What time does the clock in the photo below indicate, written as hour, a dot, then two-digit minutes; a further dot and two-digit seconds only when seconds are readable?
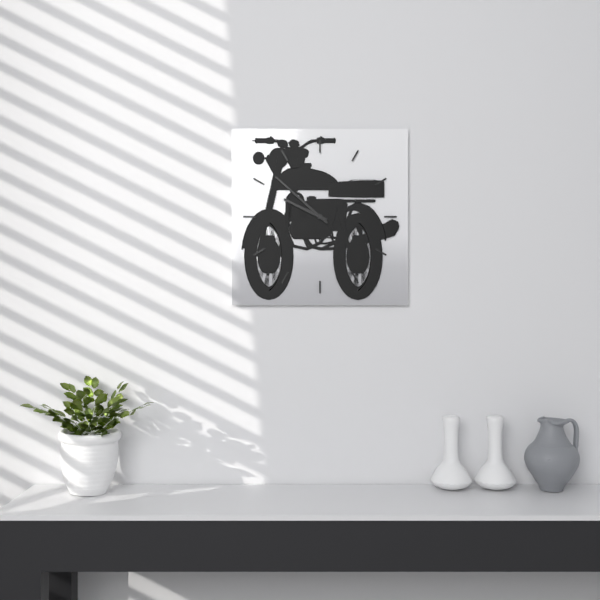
9.52
